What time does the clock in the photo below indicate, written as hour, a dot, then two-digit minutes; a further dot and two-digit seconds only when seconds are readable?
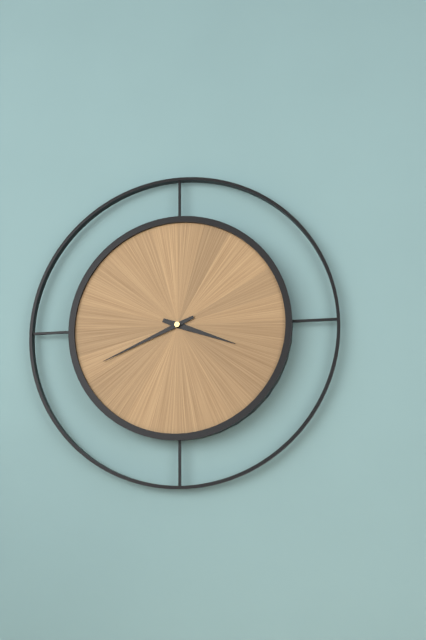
3.41
